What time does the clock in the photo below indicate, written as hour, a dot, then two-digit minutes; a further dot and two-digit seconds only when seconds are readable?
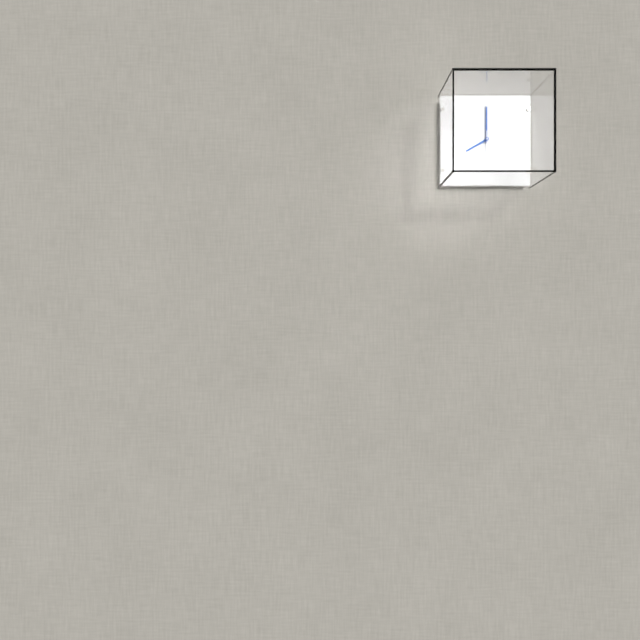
8.00
